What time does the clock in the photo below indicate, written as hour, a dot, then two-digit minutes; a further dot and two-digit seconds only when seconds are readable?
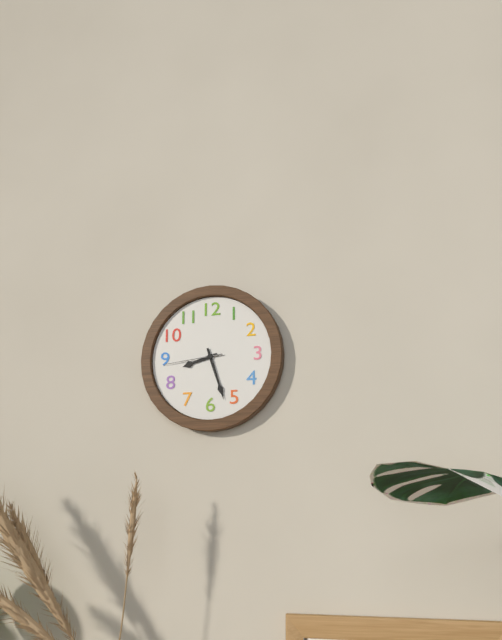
8.27.44
